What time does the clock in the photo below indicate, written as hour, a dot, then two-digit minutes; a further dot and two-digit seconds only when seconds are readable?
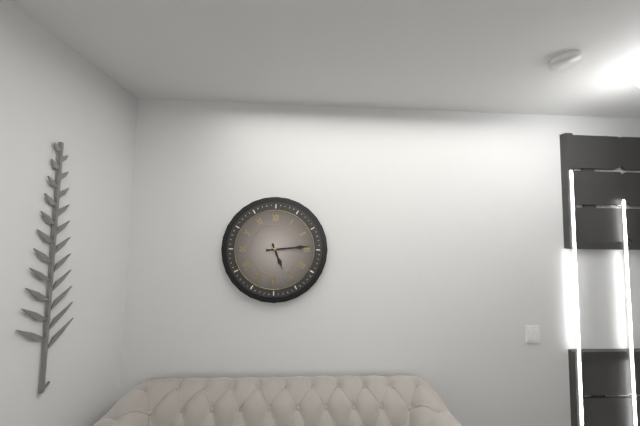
5.14
